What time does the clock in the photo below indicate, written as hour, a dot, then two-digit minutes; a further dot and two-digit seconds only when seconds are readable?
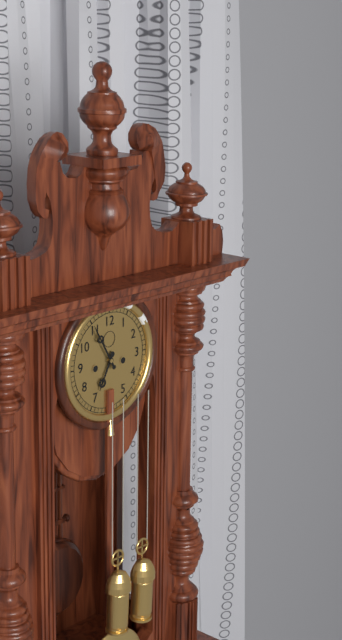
6.55
